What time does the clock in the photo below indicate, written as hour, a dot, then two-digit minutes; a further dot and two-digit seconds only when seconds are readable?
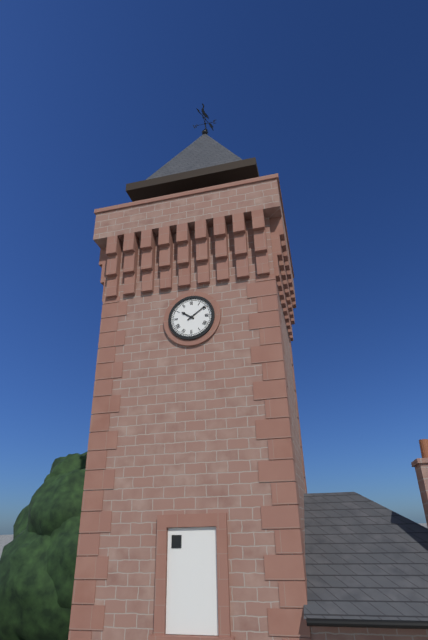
10.09
